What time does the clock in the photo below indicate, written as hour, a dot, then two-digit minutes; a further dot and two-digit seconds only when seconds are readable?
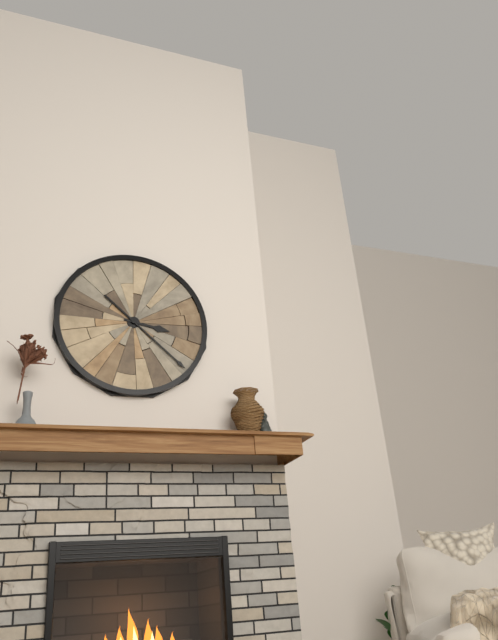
3.22
